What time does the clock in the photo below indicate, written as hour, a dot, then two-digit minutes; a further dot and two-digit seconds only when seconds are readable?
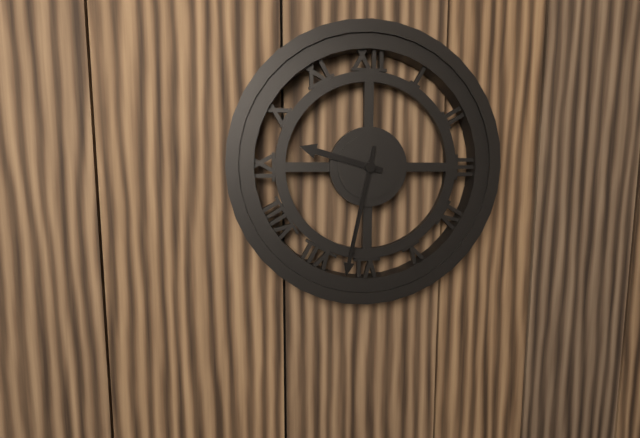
9.32
